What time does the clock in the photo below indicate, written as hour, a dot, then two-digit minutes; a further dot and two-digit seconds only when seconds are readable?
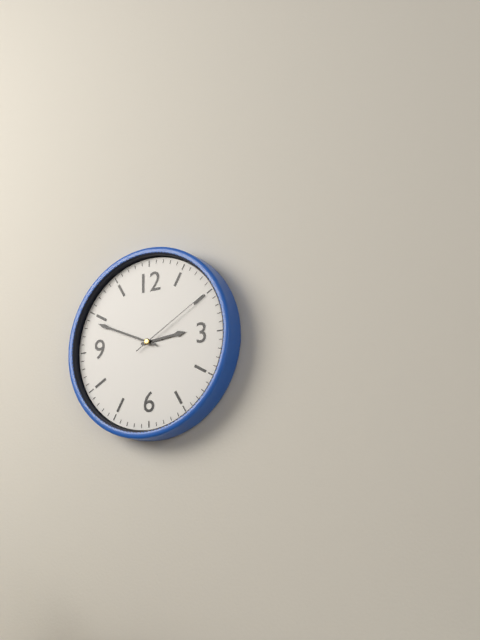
2.49.10
